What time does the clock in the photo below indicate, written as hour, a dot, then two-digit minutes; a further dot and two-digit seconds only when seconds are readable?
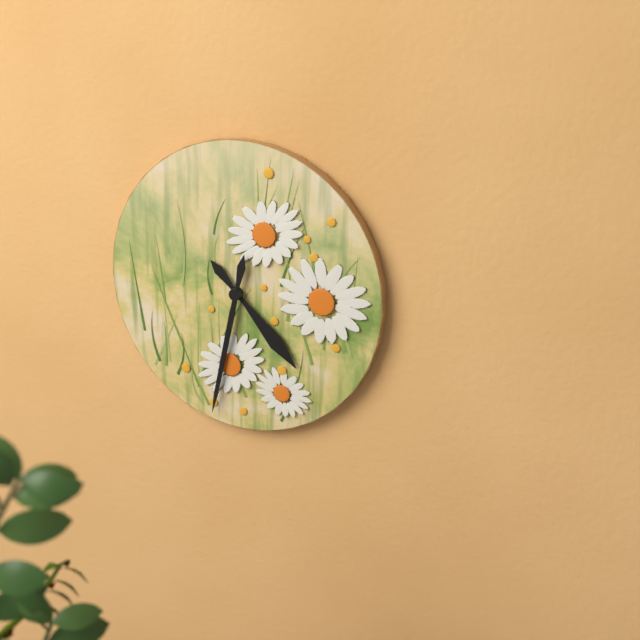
4.32
